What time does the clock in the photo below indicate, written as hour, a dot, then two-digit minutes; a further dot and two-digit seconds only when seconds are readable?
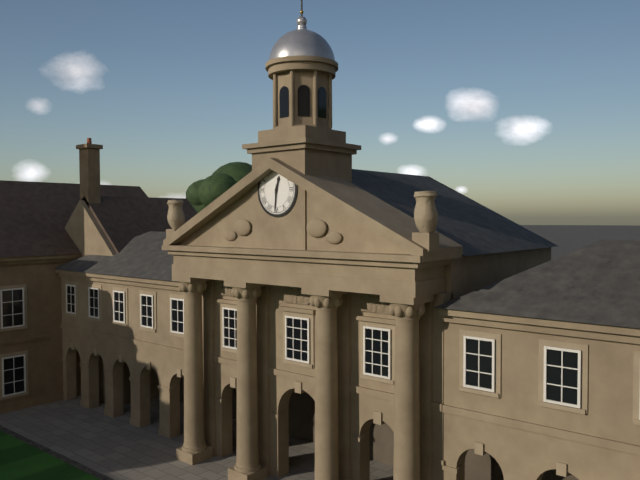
12.31
